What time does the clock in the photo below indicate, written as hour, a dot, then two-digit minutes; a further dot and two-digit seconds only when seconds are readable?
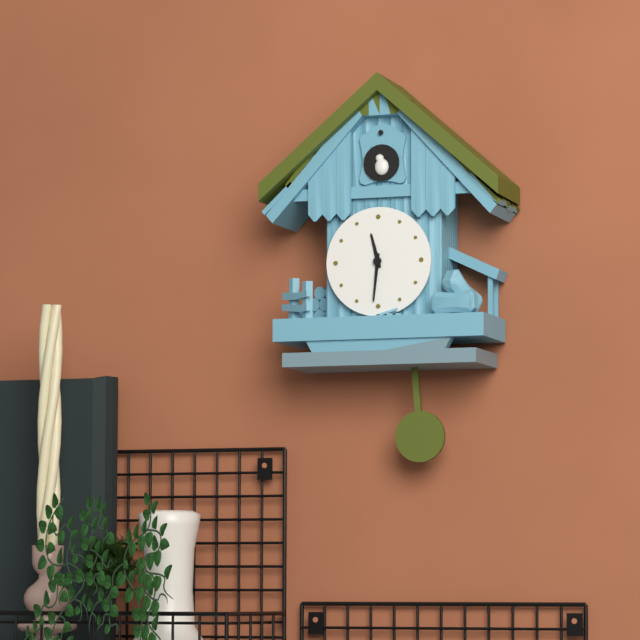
11.31
